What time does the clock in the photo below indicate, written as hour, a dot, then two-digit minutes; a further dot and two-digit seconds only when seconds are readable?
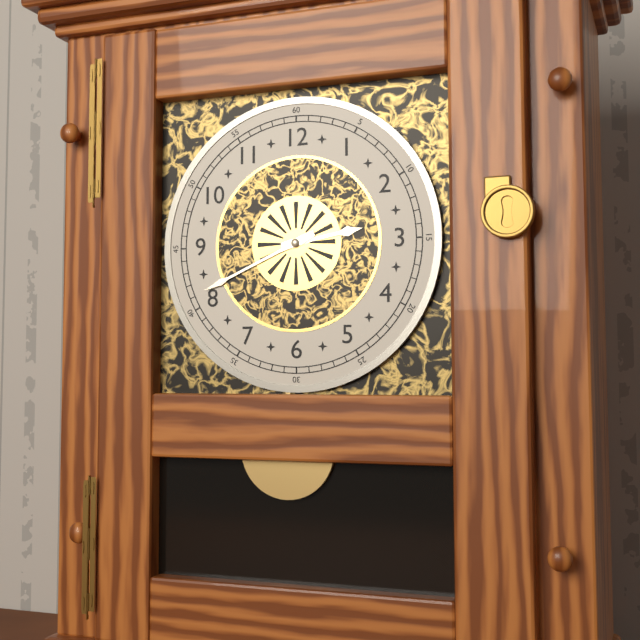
2.41
